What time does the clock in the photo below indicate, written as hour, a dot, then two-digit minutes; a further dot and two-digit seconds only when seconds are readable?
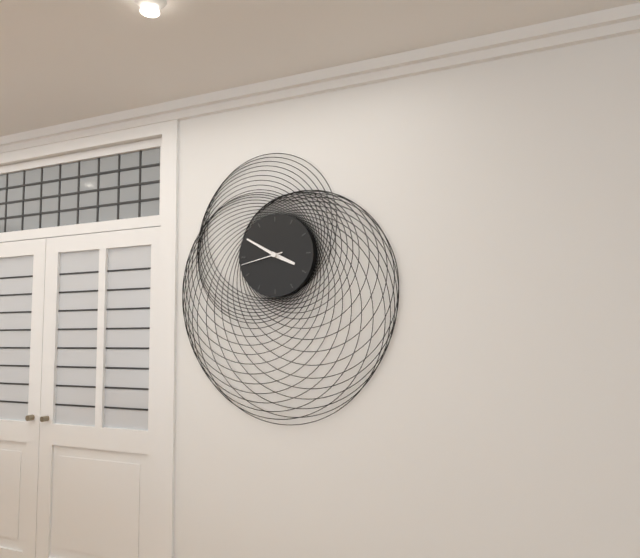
3.50
